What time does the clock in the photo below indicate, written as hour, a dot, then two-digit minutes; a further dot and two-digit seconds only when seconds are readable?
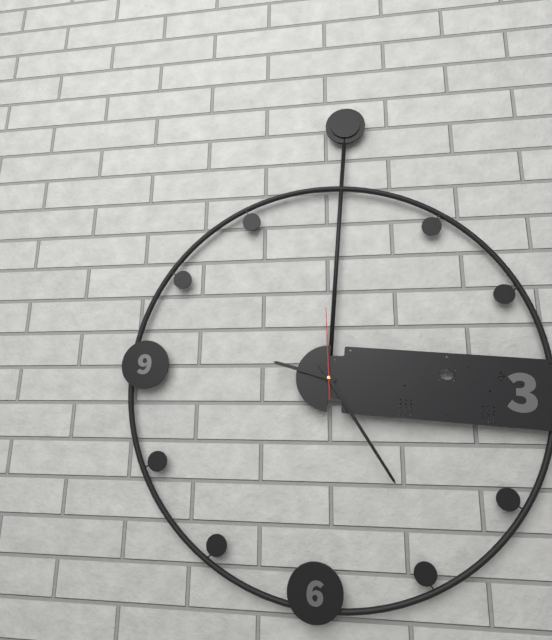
9.24.59
